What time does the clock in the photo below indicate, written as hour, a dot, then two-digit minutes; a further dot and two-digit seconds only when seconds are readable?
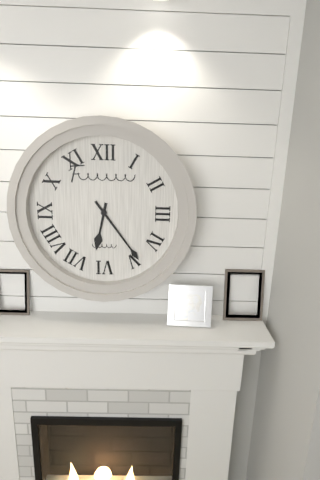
6.24
